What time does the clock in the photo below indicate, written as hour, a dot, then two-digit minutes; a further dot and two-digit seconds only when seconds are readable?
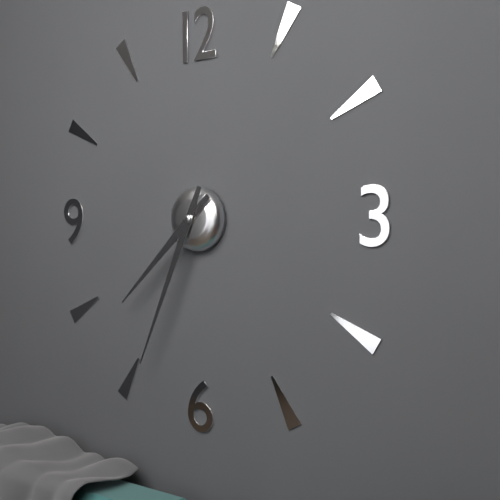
7.34
